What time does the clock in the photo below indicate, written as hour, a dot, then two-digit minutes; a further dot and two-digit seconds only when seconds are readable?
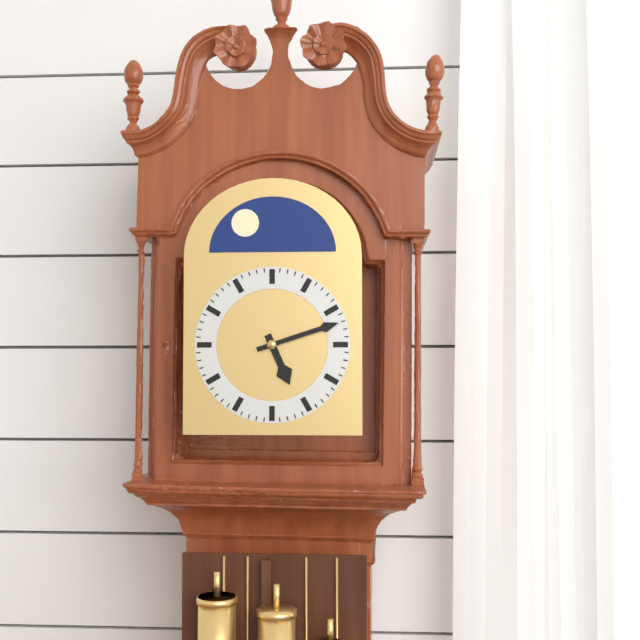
5.12
